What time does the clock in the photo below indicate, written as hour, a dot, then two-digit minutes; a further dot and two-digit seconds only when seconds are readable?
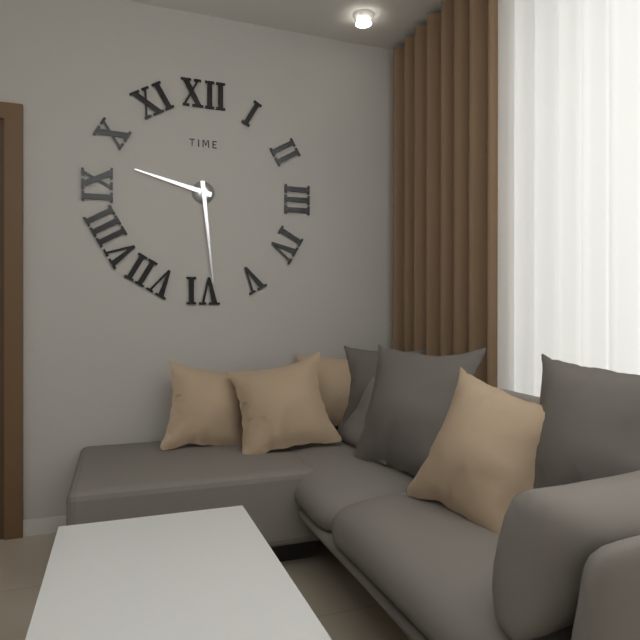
9.29
